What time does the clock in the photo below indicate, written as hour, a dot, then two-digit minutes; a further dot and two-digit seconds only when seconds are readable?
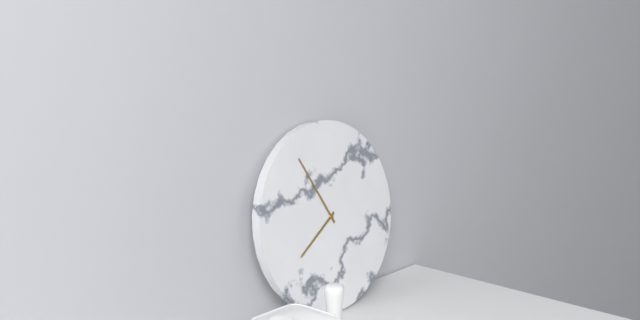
7.55
